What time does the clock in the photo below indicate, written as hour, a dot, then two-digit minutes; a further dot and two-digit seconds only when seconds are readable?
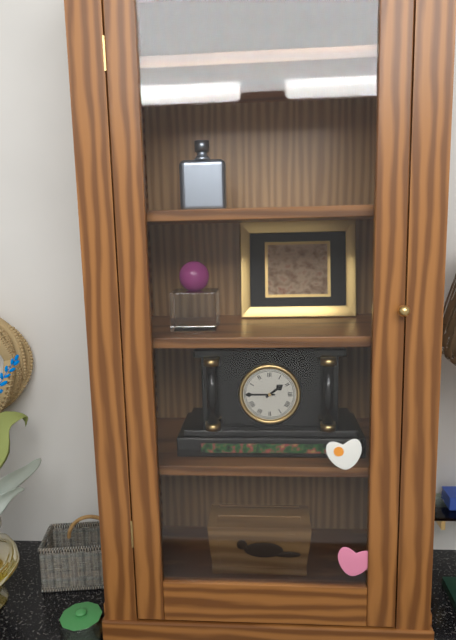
1.45
